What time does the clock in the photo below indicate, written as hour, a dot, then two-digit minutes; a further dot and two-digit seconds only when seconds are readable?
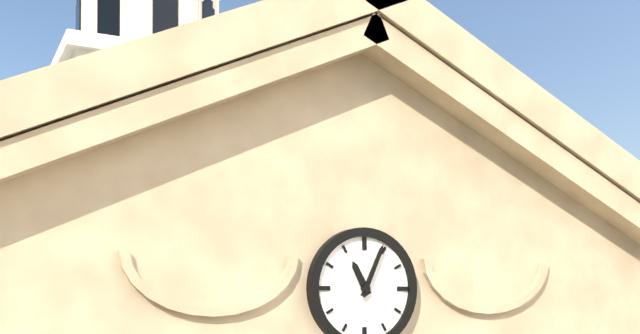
11.04
